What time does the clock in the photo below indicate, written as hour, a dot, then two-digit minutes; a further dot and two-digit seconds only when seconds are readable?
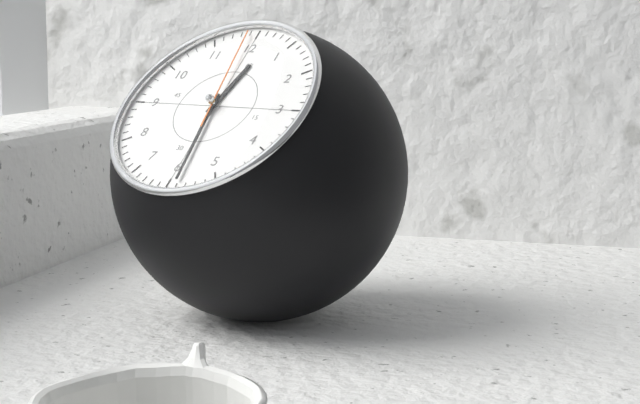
12.29.59
